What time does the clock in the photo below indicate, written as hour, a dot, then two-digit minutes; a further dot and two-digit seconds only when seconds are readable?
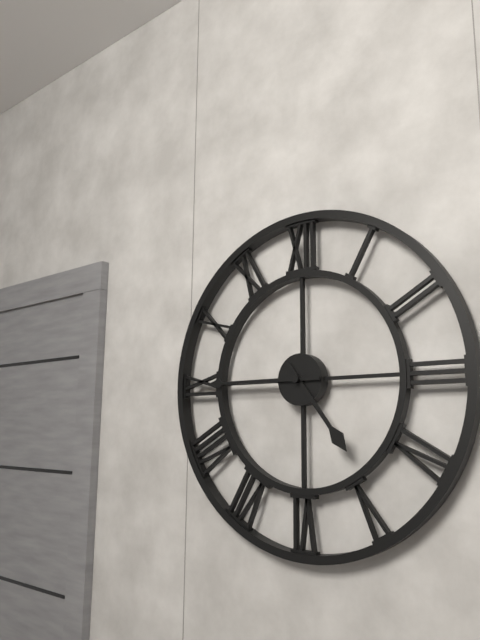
4.45
